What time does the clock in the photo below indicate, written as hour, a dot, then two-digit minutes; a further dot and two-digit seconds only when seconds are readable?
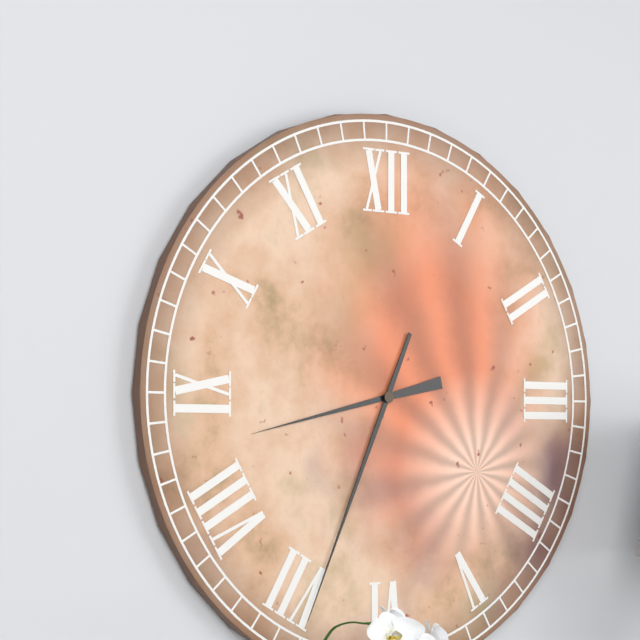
8.34
